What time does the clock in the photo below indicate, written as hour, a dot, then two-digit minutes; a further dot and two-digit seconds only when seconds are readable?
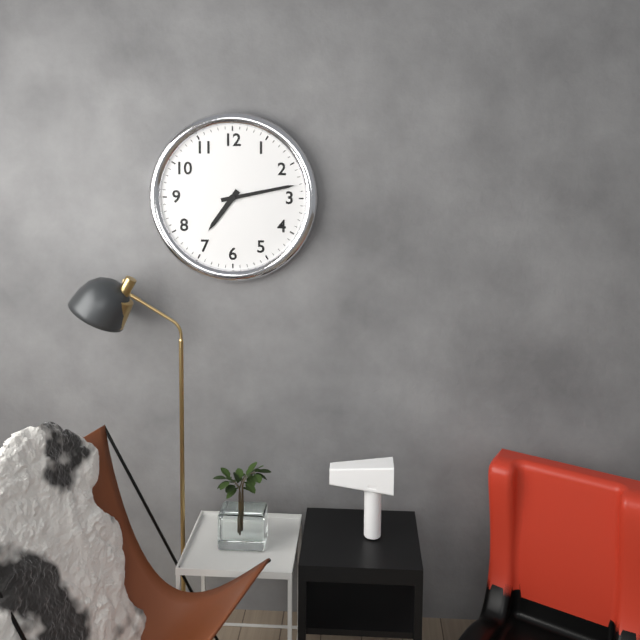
7.13
